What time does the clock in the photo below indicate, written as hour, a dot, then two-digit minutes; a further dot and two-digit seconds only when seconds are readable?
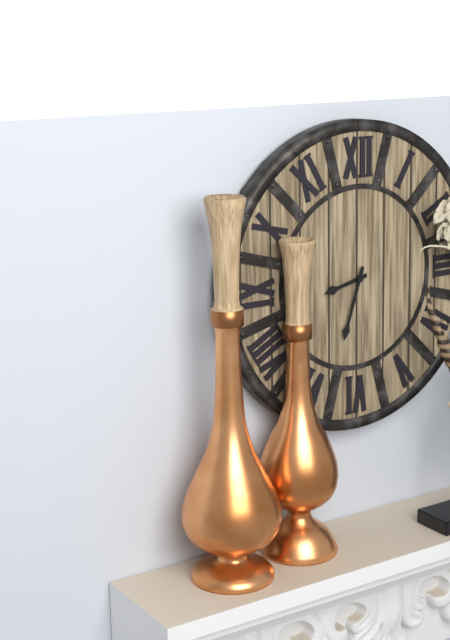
8.33
